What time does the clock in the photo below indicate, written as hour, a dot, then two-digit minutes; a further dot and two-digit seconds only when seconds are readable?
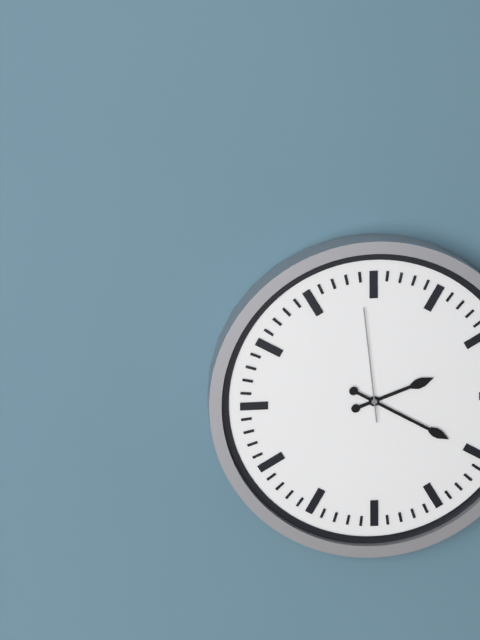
2.20.59
